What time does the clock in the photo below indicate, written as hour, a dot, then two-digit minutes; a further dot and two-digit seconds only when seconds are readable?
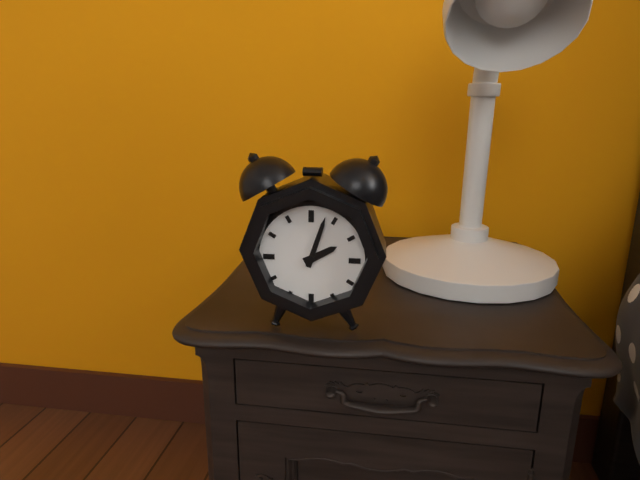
2.03
